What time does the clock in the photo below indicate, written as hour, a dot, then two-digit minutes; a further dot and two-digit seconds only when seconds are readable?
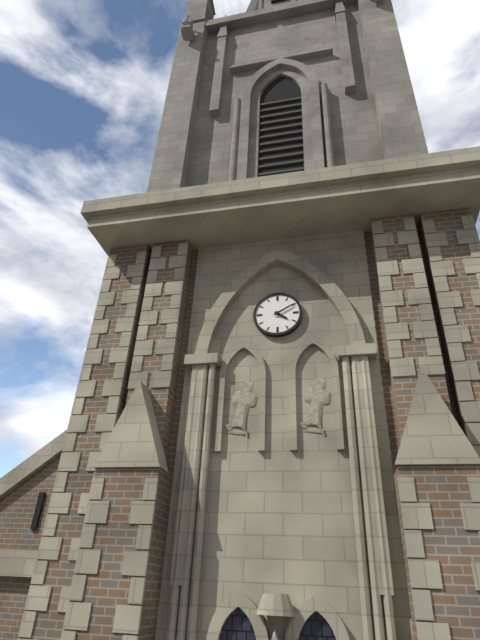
4.10
